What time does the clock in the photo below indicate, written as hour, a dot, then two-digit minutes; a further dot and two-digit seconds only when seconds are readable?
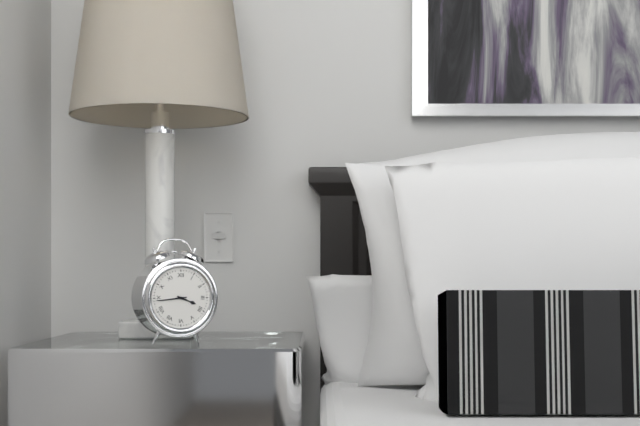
3.44
